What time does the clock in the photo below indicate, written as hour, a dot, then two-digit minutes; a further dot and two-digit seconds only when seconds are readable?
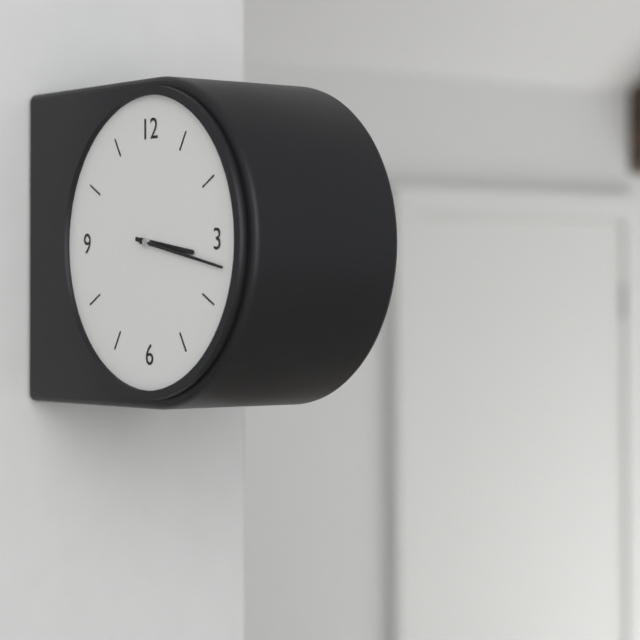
3.17
